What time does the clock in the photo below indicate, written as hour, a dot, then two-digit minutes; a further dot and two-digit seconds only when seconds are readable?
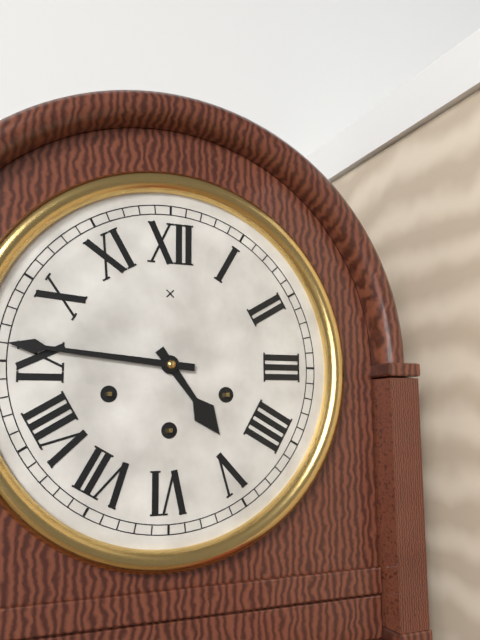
4.46
